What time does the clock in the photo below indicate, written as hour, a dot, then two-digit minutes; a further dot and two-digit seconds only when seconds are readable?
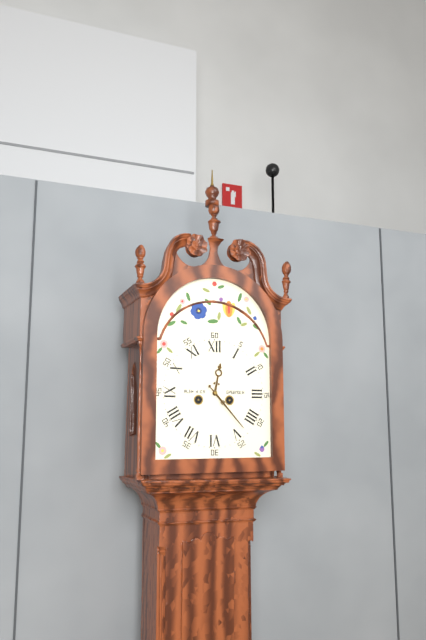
12.23
